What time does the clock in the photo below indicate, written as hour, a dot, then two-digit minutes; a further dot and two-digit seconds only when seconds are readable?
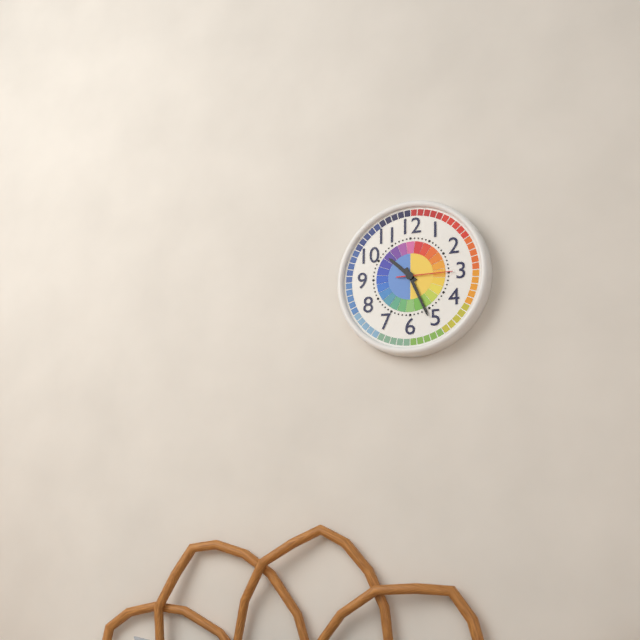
10.26.15
